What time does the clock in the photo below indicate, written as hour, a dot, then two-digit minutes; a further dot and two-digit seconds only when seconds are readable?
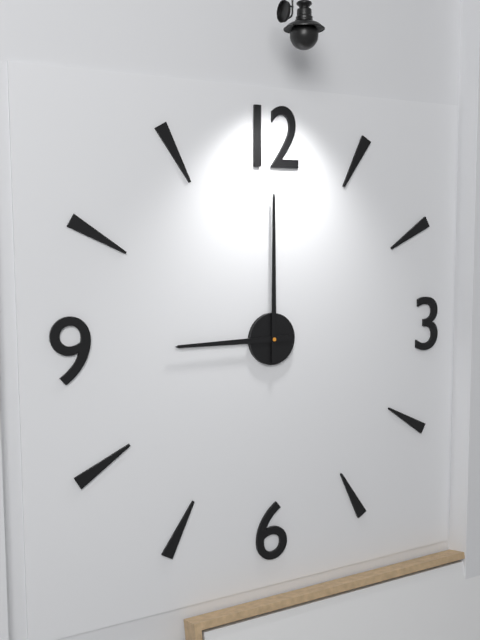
9.00
